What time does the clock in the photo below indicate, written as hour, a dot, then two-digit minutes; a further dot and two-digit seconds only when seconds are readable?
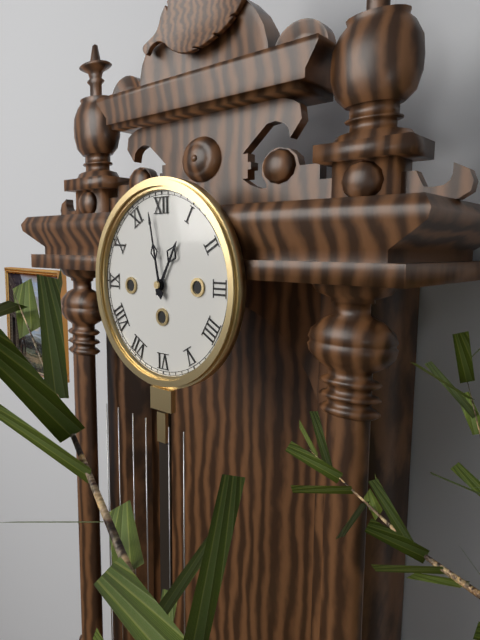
12.58
